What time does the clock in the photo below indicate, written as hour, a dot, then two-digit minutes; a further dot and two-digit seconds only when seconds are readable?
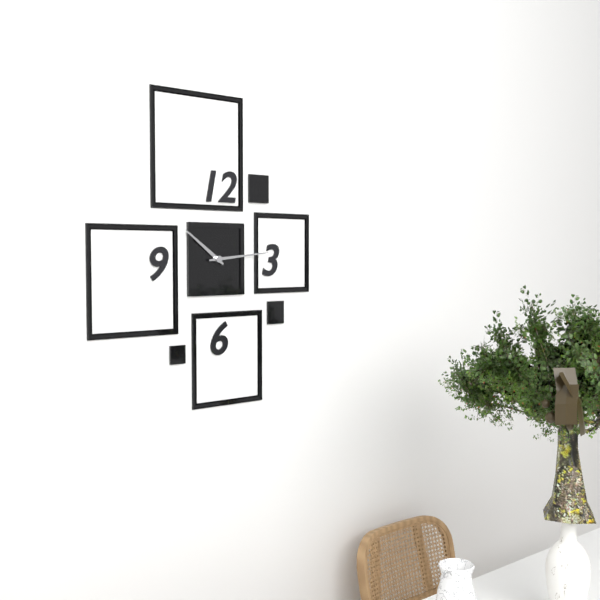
10.14
